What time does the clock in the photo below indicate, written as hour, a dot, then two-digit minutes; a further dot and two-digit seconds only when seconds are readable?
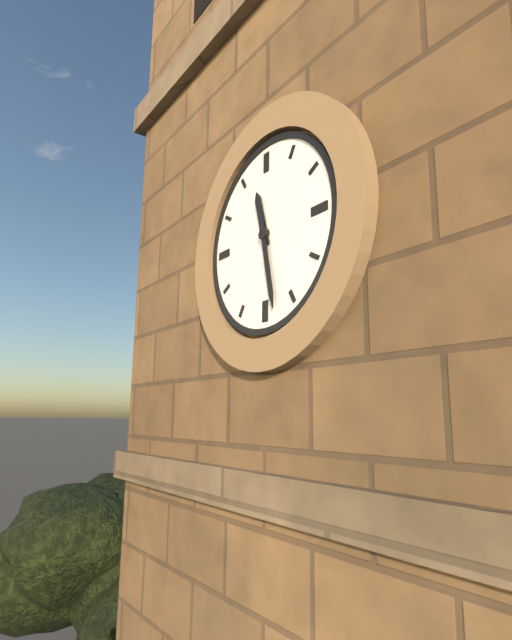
11.28
